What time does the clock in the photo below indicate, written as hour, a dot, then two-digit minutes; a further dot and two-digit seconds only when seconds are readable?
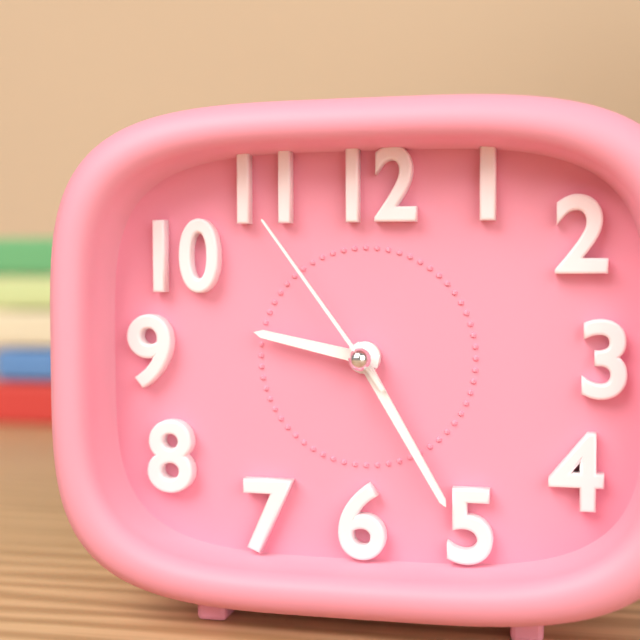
9.25.54
